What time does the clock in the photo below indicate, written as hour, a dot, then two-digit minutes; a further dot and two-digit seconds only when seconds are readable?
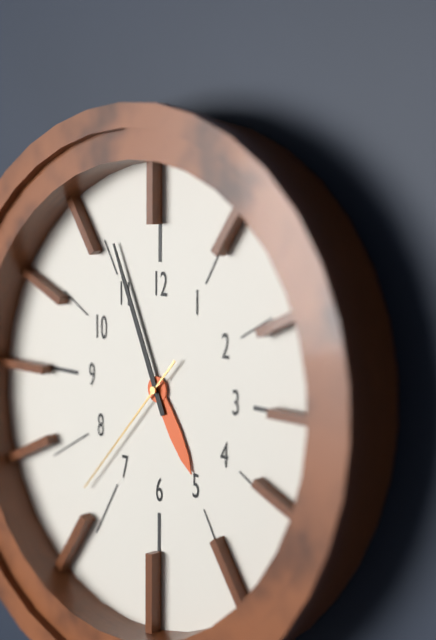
4.56.37
